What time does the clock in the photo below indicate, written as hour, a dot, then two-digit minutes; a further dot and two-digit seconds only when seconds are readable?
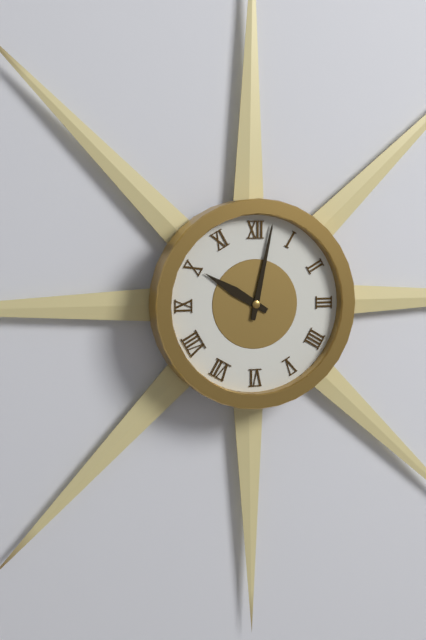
10.02
